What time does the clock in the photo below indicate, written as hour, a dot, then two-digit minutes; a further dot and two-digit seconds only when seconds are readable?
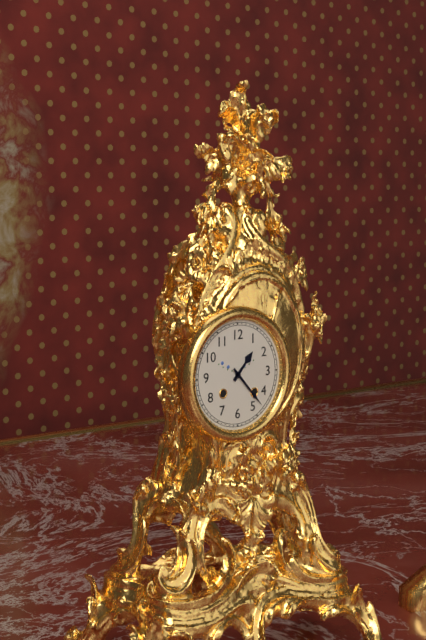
1.23
